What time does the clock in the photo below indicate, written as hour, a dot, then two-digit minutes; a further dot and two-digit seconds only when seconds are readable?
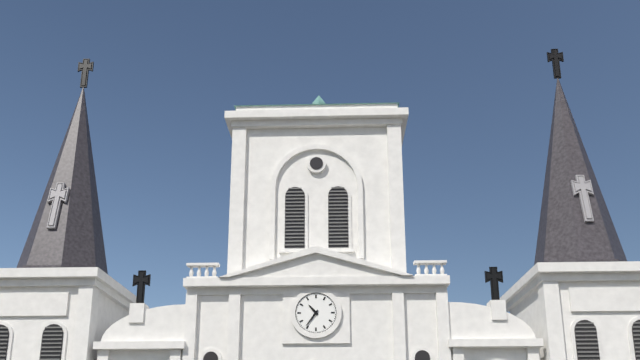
10.36
